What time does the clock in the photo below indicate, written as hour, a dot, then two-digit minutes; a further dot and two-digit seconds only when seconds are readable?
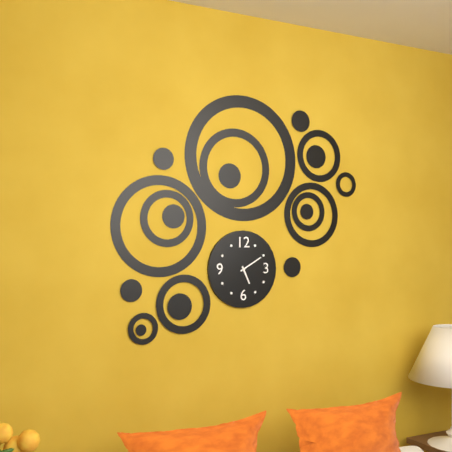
5.10
